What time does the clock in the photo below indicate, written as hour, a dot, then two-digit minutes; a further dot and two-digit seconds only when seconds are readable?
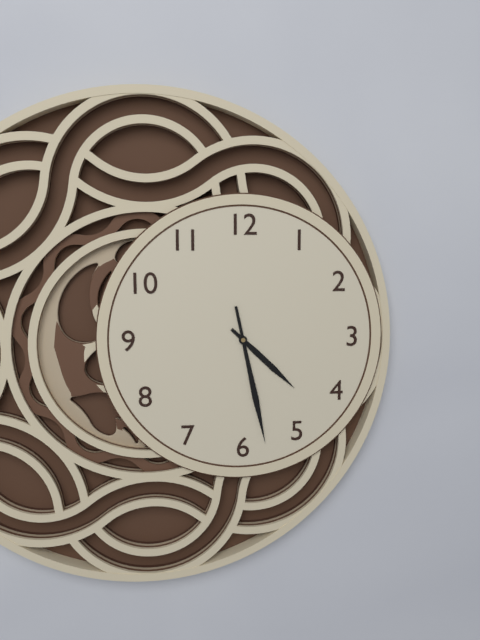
4.28
